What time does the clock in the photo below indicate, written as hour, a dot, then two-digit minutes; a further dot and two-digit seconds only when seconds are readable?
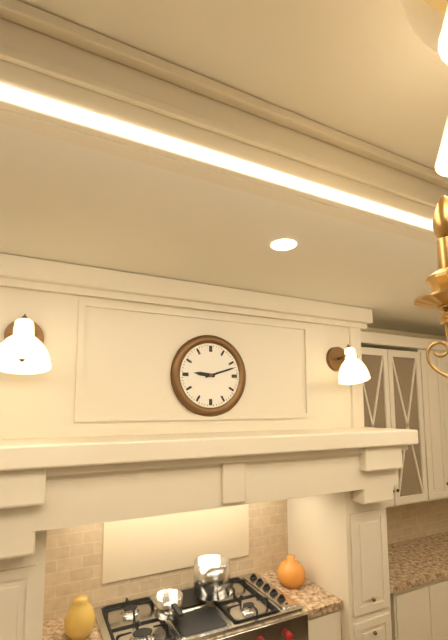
9.12
